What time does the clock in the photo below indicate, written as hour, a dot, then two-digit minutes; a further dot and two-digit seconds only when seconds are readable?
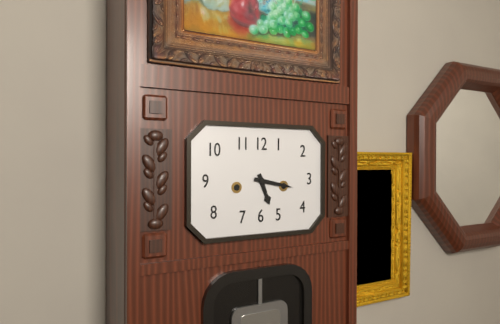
5.17
